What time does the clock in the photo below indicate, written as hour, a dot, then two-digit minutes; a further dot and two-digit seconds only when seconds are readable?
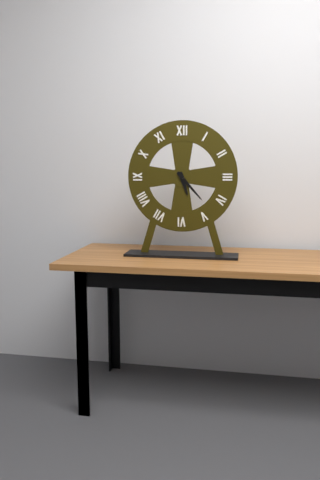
5.23
